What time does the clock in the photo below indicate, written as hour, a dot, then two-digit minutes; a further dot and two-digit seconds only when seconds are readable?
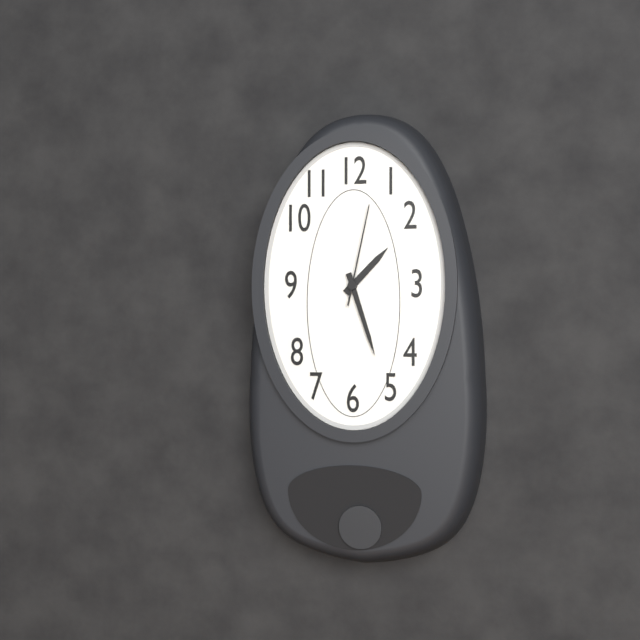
1.27.02
